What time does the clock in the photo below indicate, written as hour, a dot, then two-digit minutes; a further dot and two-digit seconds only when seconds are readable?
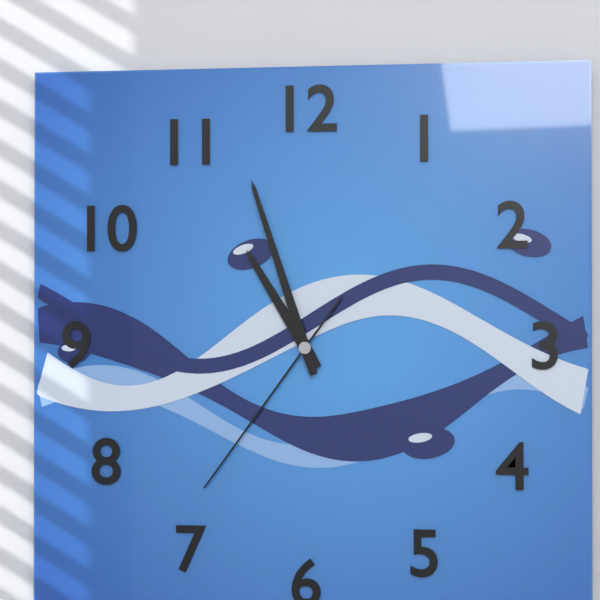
10.57.36
